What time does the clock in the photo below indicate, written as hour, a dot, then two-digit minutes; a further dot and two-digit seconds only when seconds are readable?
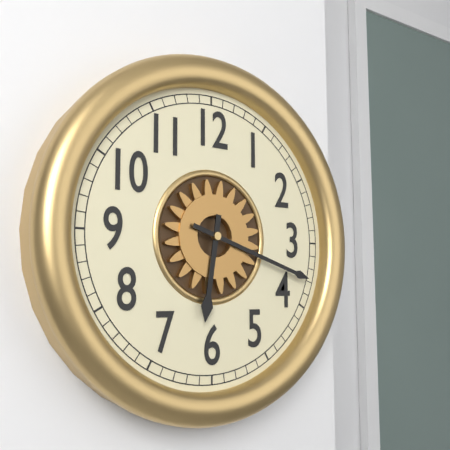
6.18
